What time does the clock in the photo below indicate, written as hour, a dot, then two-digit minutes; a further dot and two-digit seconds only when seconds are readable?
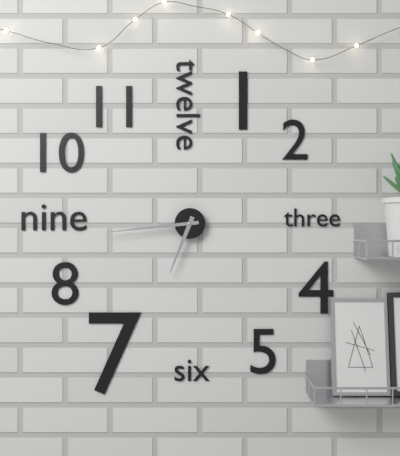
6.44
